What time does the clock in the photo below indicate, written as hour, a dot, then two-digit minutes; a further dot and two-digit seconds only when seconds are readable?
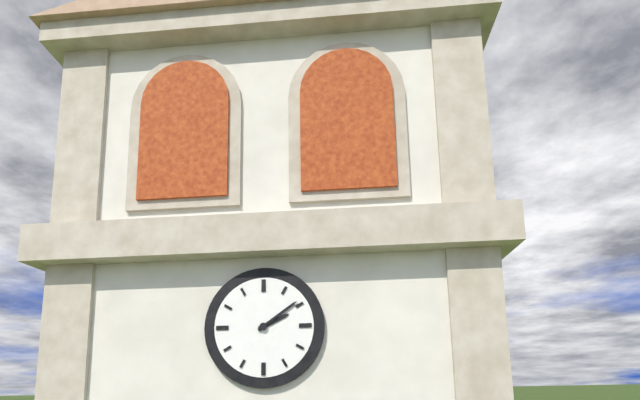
2.09
